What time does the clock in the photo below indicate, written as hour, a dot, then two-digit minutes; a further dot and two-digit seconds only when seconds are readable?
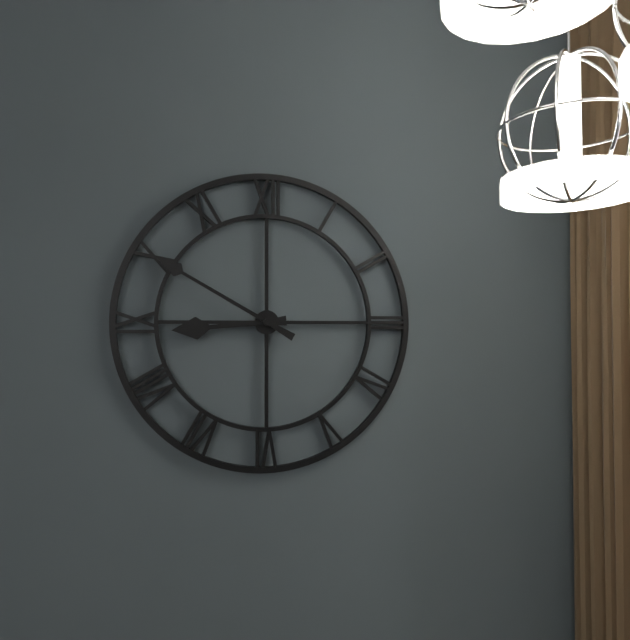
8.50
